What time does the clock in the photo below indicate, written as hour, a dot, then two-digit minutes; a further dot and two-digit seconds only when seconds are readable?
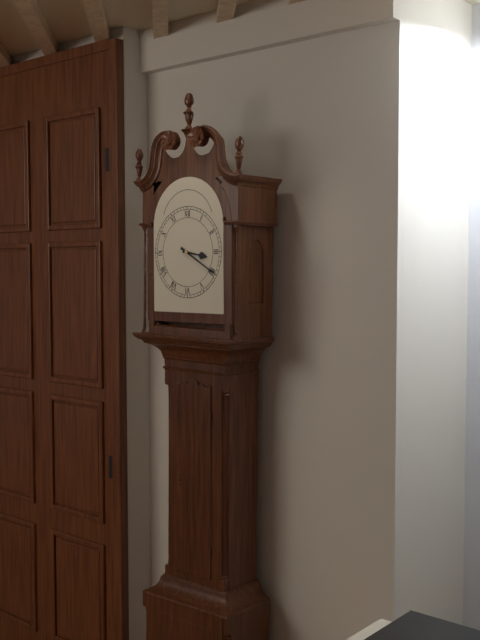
3.20
